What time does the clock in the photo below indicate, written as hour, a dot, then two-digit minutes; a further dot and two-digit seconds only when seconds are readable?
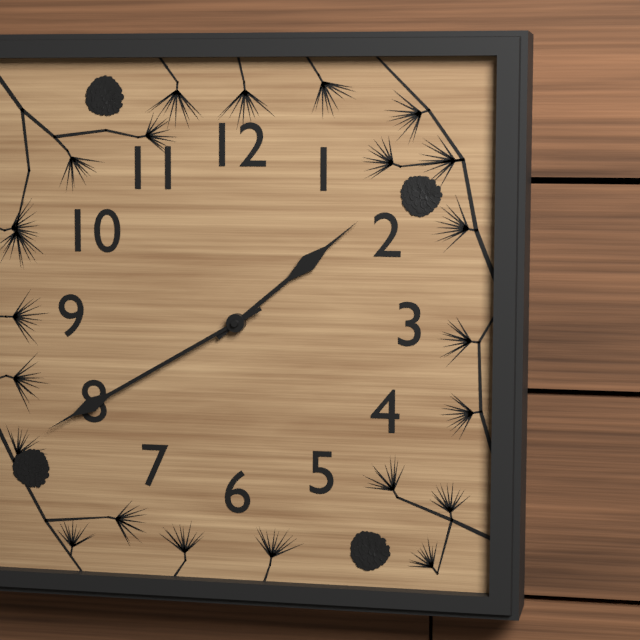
1.40
